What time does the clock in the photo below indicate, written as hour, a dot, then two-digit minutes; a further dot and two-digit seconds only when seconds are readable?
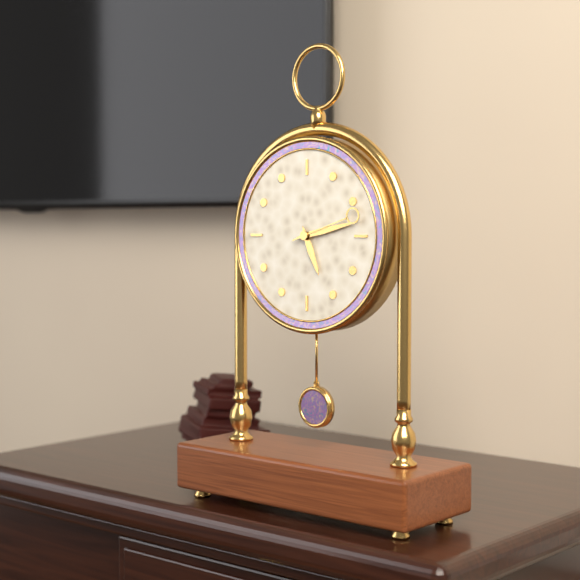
5.13.12
